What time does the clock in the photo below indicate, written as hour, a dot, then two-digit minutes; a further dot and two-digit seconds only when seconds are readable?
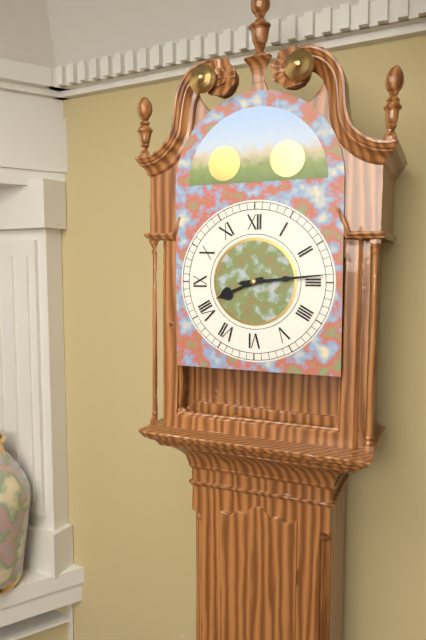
8.14
